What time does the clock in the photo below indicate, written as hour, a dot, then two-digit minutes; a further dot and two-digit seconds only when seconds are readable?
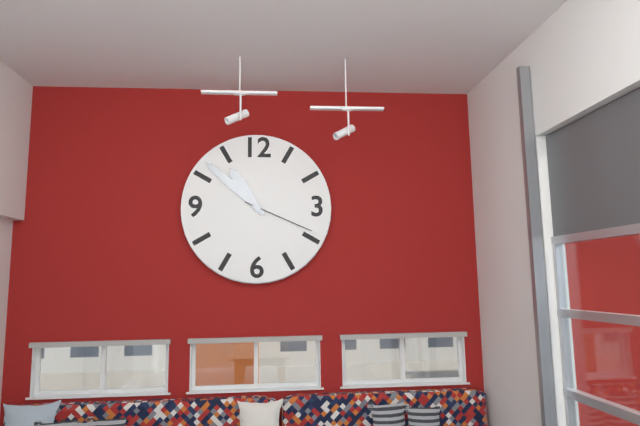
10.52.19
